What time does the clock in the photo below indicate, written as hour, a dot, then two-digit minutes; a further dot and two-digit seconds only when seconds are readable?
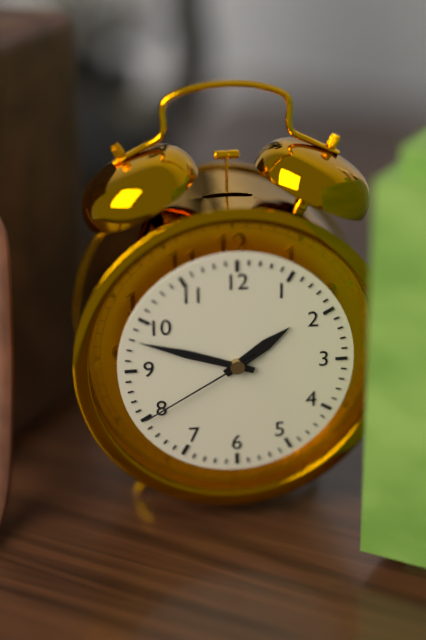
1.48.40
